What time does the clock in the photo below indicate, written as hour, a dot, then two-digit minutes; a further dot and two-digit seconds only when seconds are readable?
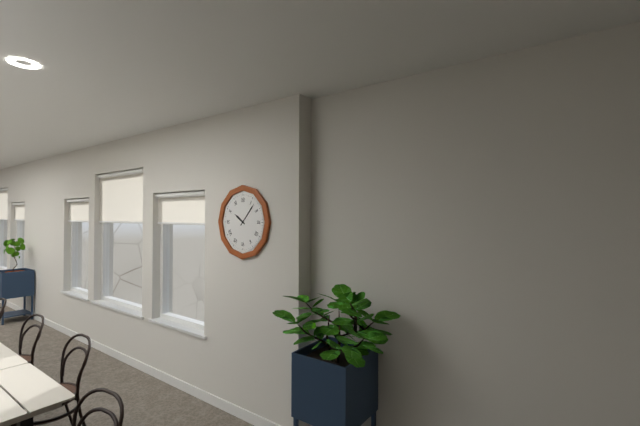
10.07
